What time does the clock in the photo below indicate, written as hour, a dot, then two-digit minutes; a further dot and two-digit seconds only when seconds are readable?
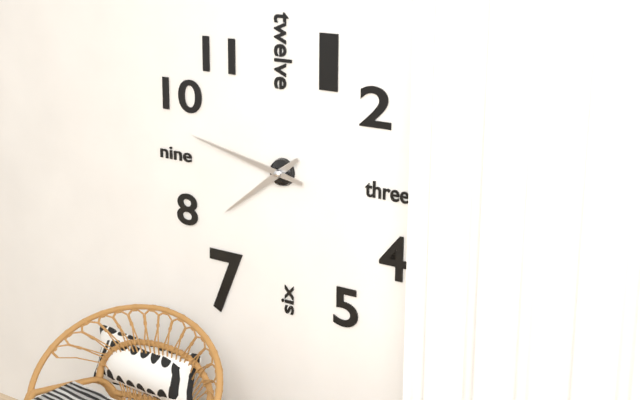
7.47
